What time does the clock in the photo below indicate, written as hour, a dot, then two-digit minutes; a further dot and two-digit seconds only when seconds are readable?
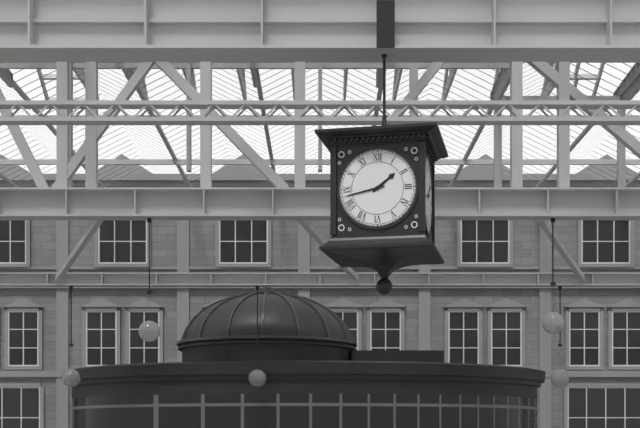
1.43
